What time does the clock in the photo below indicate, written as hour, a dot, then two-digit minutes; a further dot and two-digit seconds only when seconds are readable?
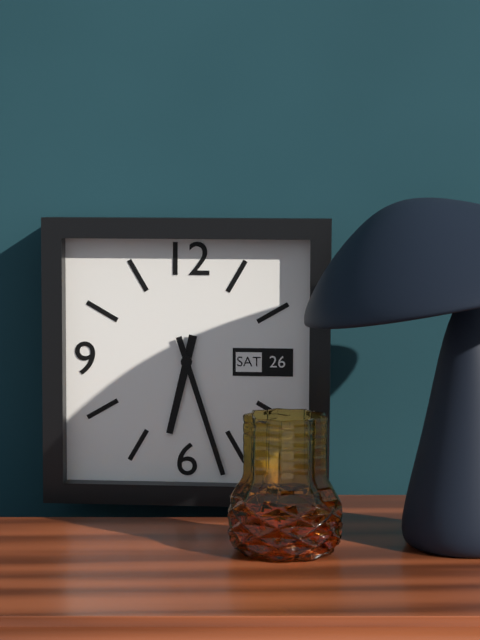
6.27
